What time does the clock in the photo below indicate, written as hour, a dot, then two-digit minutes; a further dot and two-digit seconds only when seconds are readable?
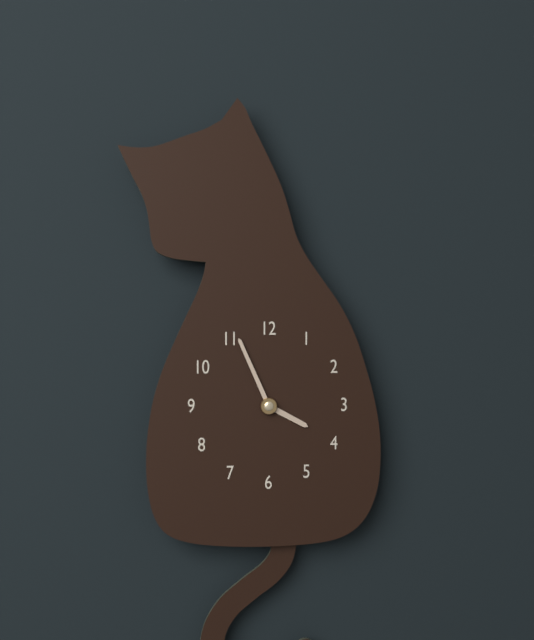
3.56
